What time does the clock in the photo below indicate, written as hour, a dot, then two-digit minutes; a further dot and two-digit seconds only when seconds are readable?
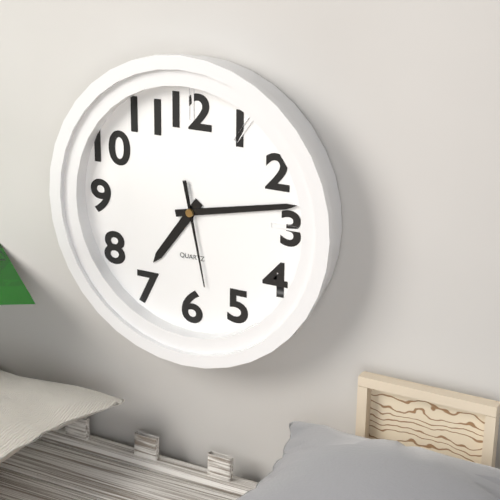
7.13.28
